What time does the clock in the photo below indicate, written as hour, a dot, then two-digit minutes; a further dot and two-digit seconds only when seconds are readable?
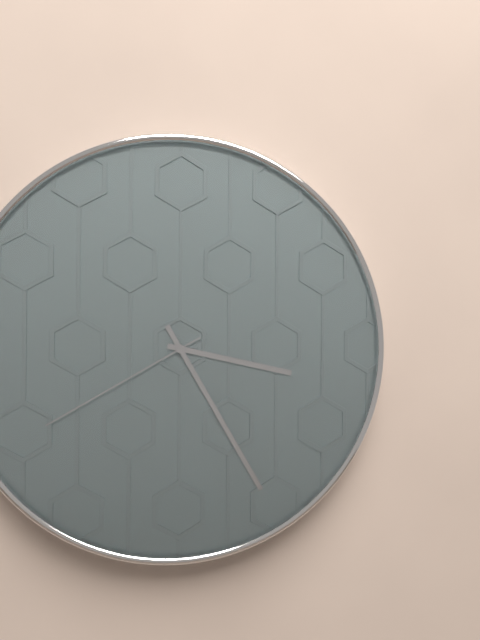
3.25.40
